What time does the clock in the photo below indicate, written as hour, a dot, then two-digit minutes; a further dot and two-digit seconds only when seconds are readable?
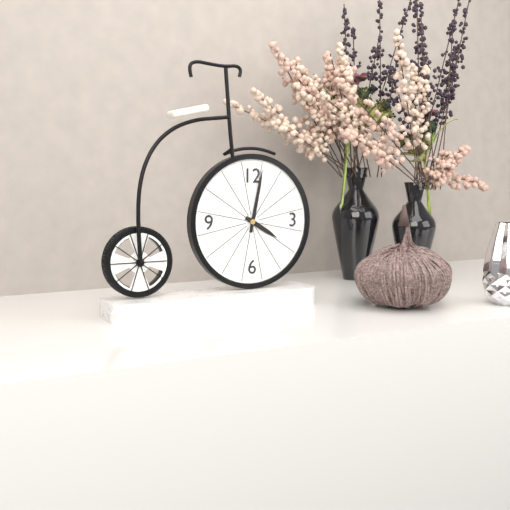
4.02
